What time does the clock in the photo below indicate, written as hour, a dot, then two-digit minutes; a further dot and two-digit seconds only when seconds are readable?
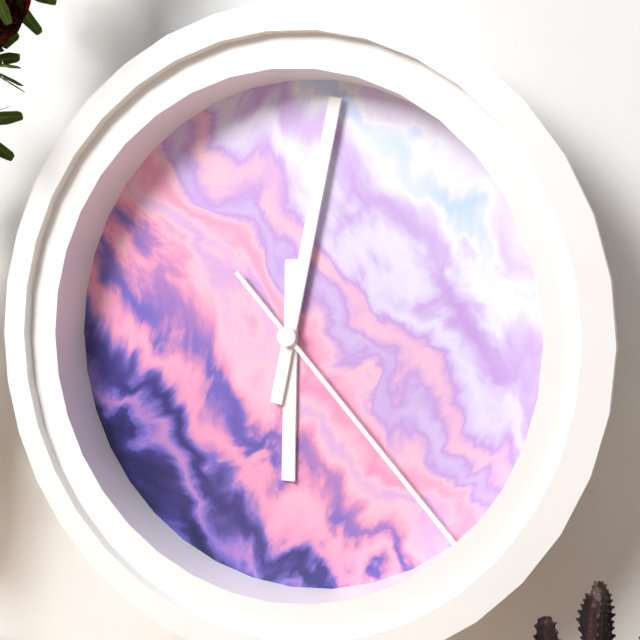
6.02.23
